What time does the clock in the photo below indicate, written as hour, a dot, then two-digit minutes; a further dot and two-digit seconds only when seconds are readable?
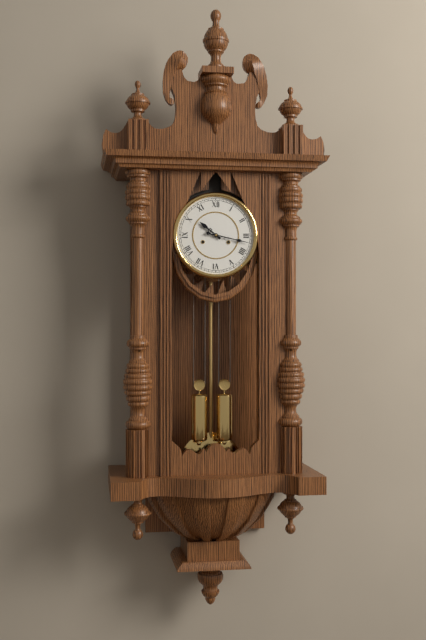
10.17
